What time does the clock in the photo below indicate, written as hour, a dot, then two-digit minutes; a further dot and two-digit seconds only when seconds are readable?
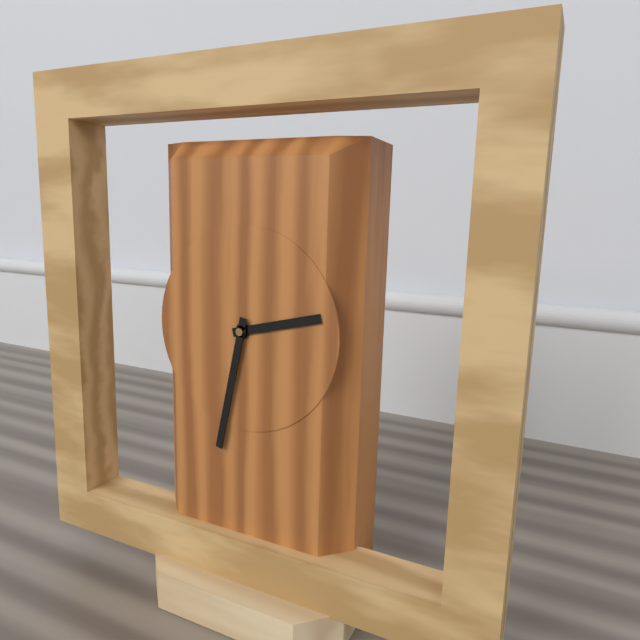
2.32
